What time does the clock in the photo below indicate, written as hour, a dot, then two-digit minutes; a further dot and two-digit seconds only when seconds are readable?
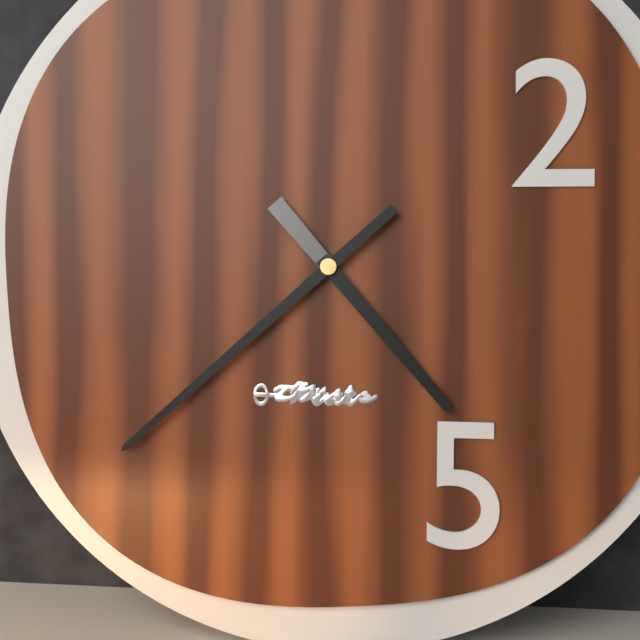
4.38
